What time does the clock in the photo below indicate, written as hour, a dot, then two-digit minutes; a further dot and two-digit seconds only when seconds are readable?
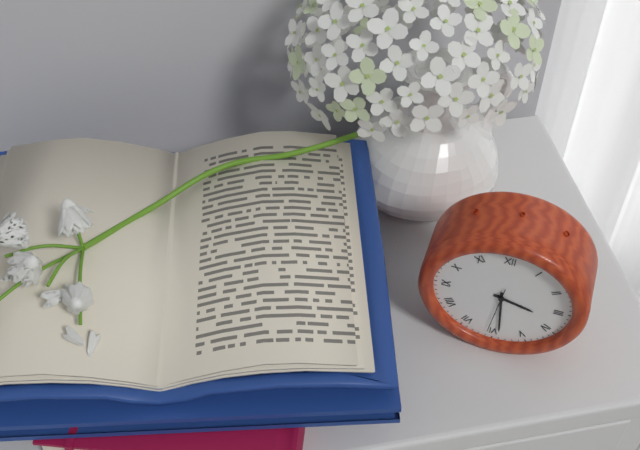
3.29
